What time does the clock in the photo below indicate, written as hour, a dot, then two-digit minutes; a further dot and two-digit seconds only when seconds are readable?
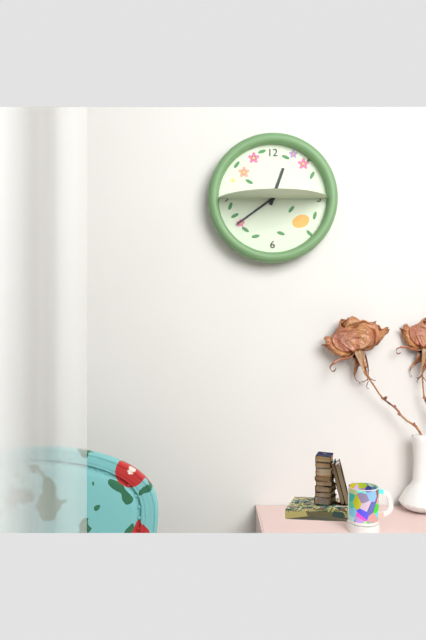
12.39
